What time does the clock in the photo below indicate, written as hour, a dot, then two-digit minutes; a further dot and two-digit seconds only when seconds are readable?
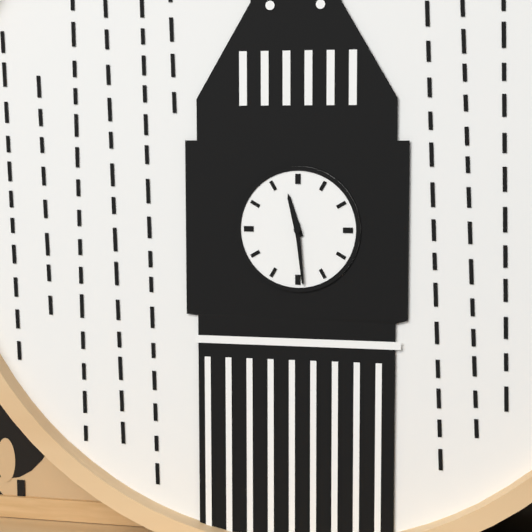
11.29
